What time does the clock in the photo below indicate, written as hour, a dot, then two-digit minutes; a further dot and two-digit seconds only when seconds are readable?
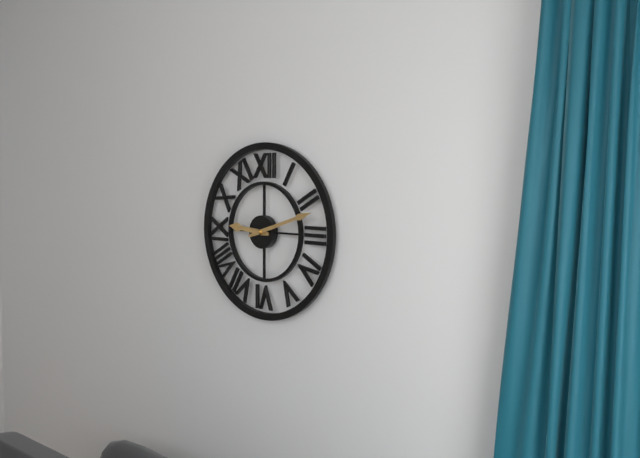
9.12
